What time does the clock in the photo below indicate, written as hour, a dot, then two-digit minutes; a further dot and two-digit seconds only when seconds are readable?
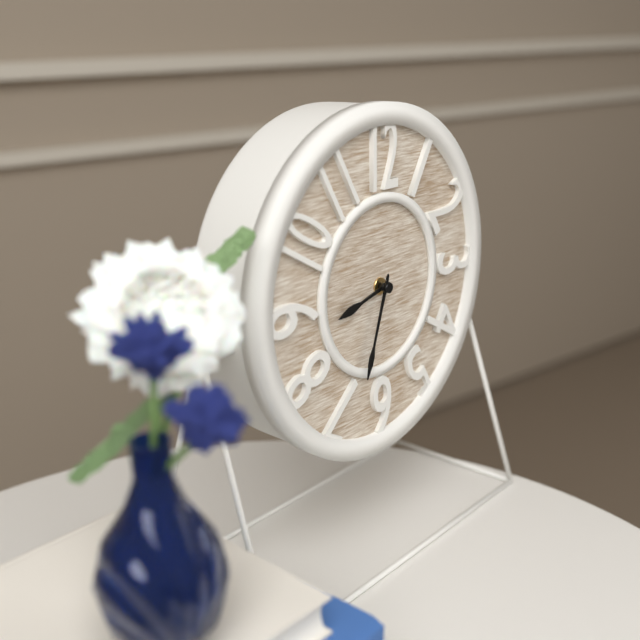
8.33
